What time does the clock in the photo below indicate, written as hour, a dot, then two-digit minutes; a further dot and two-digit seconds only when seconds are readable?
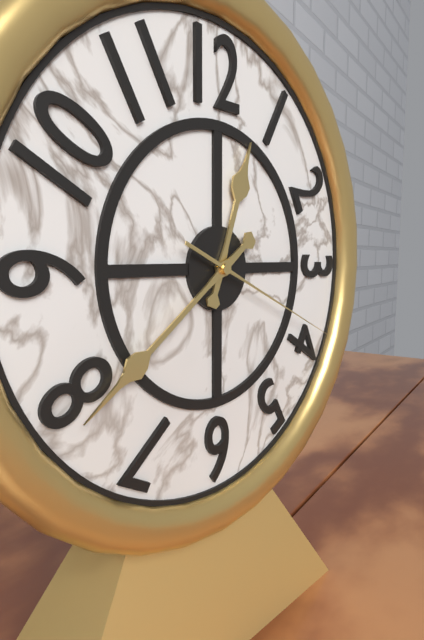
12.39.19
